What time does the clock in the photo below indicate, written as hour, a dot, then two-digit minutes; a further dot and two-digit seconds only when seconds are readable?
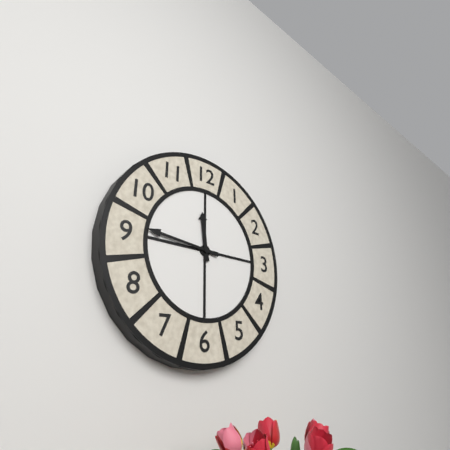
11.46
